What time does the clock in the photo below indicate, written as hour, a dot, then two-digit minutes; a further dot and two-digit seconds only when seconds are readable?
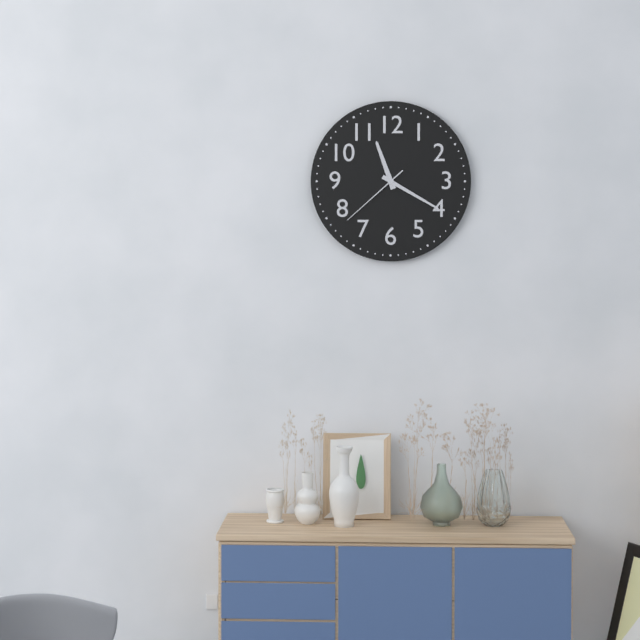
11.20.38
